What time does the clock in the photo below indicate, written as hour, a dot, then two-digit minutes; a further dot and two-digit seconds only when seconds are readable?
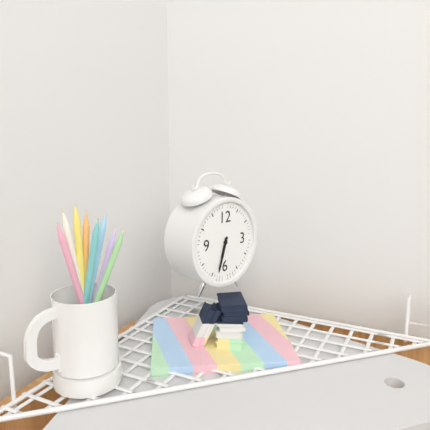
6.33
